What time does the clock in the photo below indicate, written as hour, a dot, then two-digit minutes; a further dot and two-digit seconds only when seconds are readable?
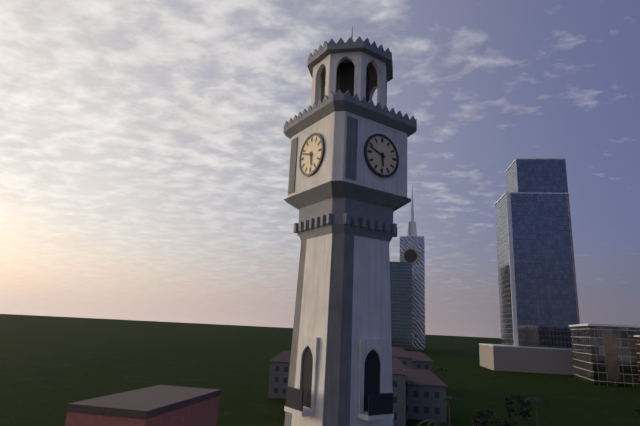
5.48
